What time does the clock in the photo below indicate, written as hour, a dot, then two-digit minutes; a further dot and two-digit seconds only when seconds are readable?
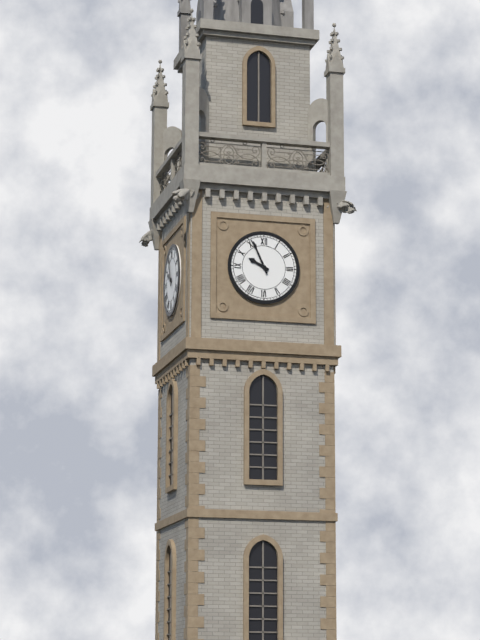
9.56
